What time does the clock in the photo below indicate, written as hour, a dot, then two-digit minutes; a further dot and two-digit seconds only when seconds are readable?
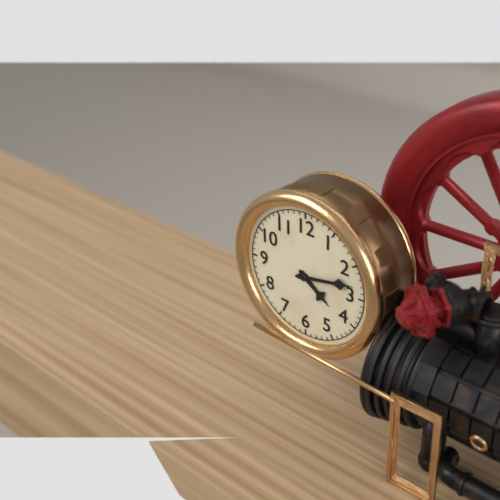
4.13
